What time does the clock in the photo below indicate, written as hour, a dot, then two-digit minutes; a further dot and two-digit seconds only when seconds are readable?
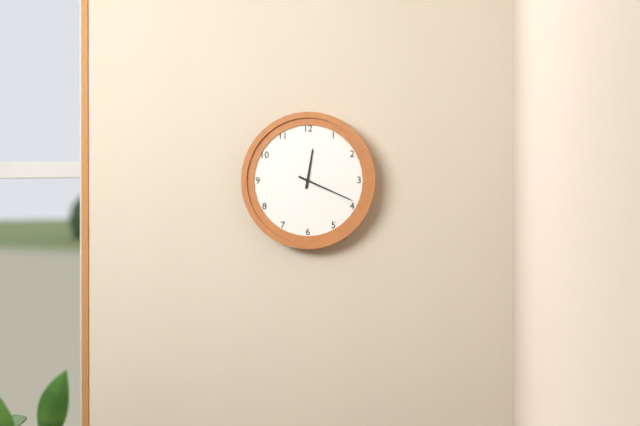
12.19
